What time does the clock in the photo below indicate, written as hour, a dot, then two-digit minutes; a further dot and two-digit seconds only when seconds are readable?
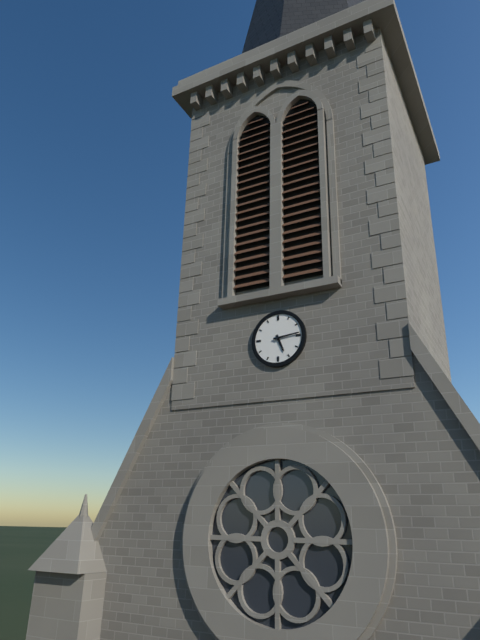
5.14
